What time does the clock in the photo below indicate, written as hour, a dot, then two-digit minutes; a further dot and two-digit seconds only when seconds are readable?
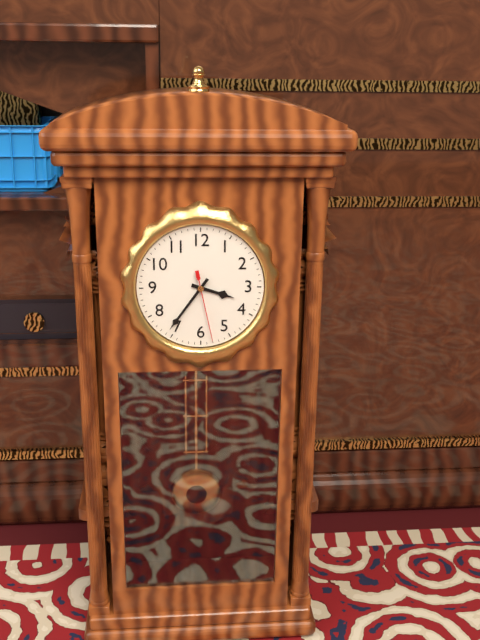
3.36.28
